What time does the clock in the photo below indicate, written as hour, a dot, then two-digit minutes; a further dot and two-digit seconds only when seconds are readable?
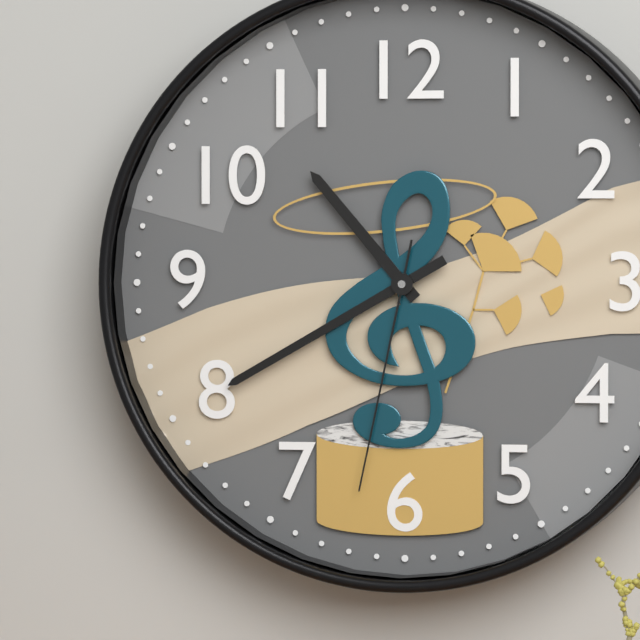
10.40.32
